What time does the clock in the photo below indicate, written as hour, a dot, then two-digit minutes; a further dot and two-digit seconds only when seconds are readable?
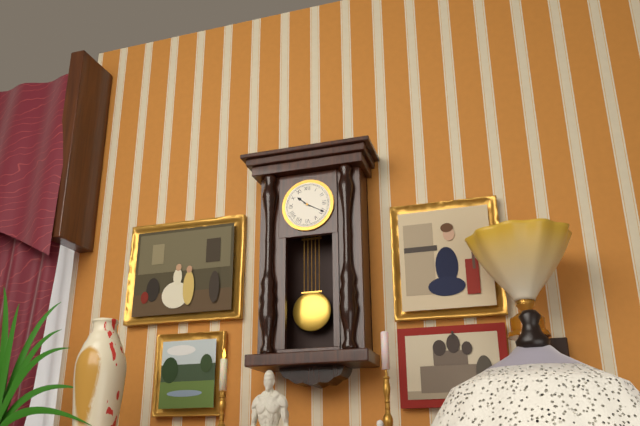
10.20
